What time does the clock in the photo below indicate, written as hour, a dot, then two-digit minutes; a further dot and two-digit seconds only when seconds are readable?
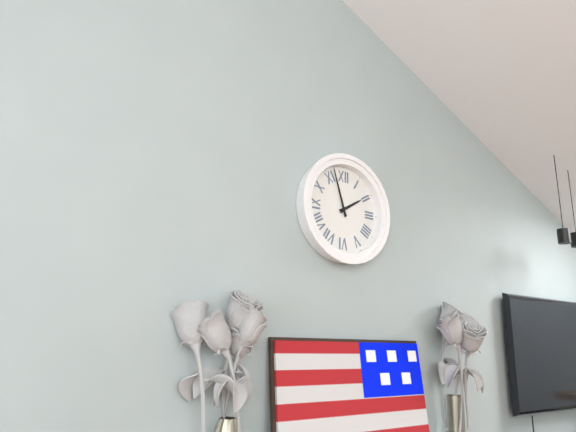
1.57
